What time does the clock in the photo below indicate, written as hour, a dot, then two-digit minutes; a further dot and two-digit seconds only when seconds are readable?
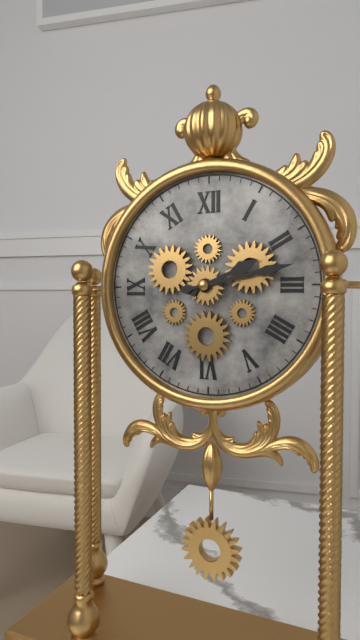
2.13
